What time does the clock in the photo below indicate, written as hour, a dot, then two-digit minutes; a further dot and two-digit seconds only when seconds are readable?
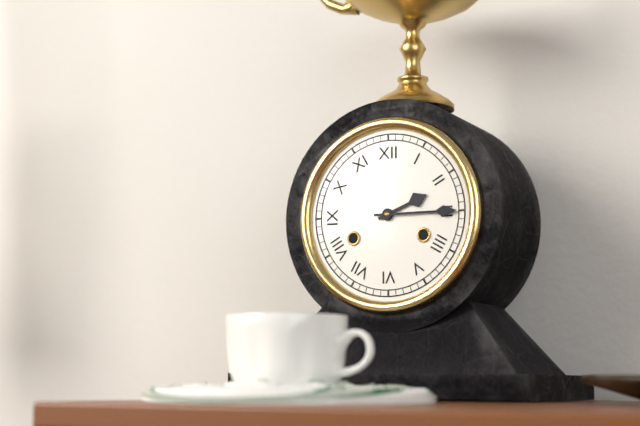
2.15
